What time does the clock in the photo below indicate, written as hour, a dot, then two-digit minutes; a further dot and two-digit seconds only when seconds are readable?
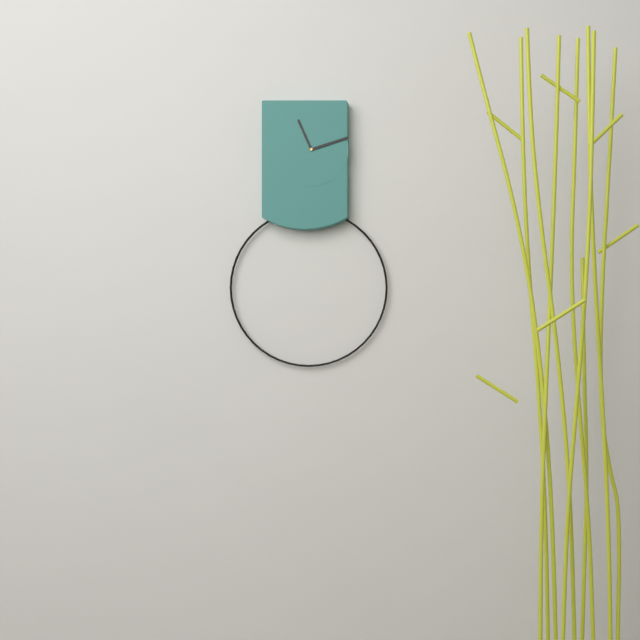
11.12
